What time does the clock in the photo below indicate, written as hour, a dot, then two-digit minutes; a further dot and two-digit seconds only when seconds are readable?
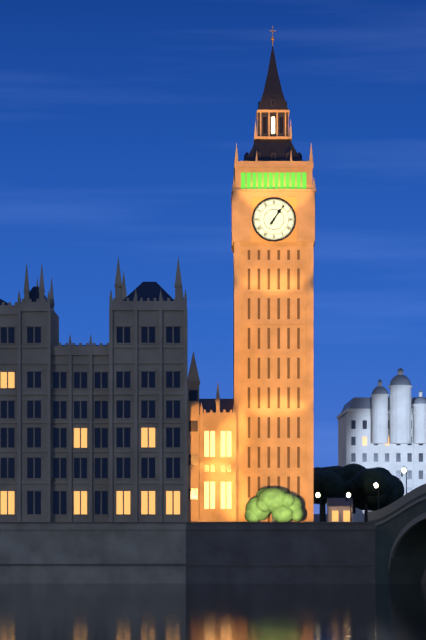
1.06
